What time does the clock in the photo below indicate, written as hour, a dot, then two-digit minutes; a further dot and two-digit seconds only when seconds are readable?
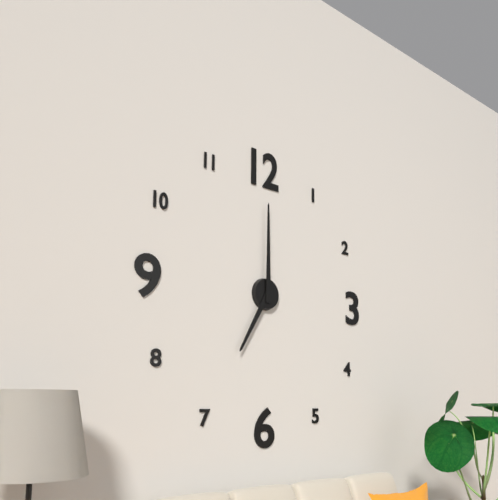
7.00
